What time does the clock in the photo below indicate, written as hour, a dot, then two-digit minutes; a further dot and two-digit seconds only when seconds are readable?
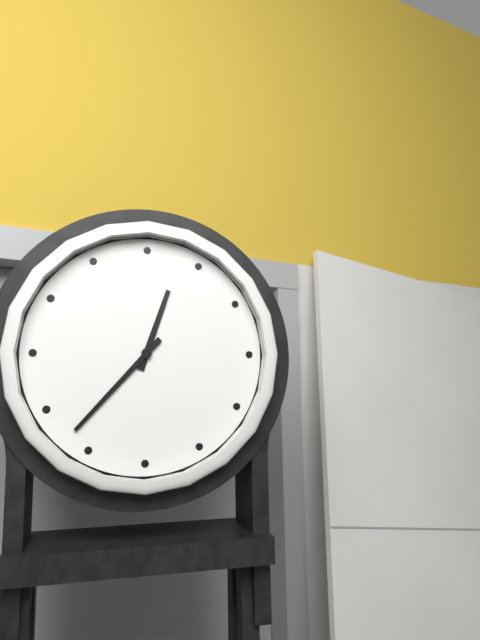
12.37
